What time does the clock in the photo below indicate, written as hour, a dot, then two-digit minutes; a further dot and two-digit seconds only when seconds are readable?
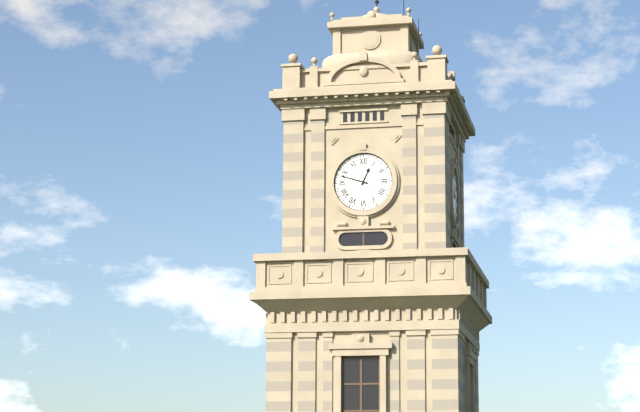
12.48
